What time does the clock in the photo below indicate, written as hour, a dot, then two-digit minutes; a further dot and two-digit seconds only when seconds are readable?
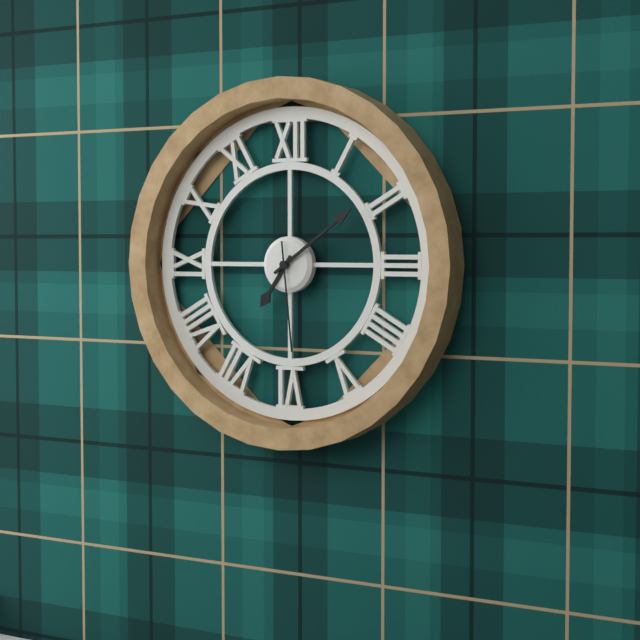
7.09.29
